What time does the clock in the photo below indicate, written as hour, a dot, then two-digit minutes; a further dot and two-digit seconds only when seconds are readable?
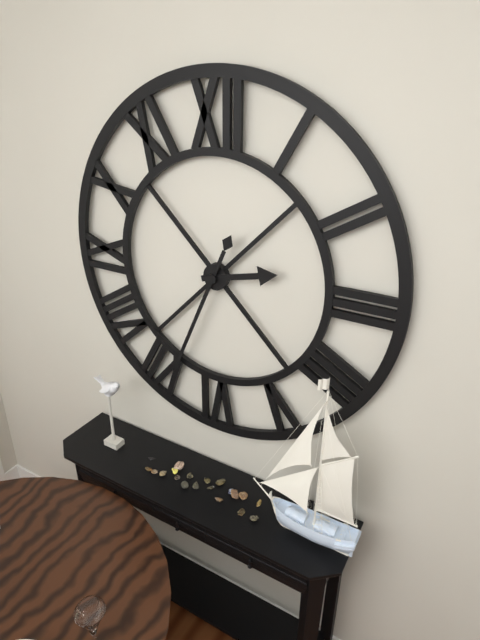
2.34
